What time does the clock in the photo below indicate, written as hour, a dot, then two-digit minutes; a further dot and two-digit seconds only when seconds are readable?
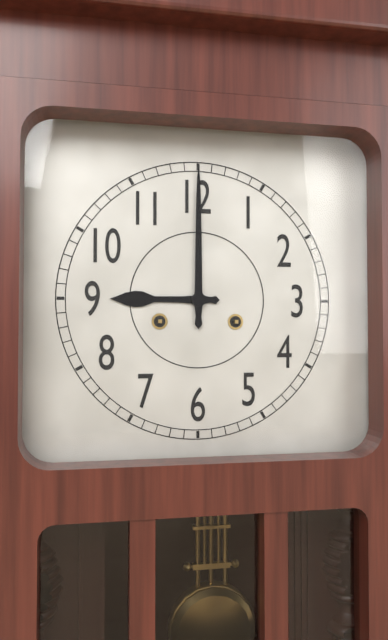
9.00
